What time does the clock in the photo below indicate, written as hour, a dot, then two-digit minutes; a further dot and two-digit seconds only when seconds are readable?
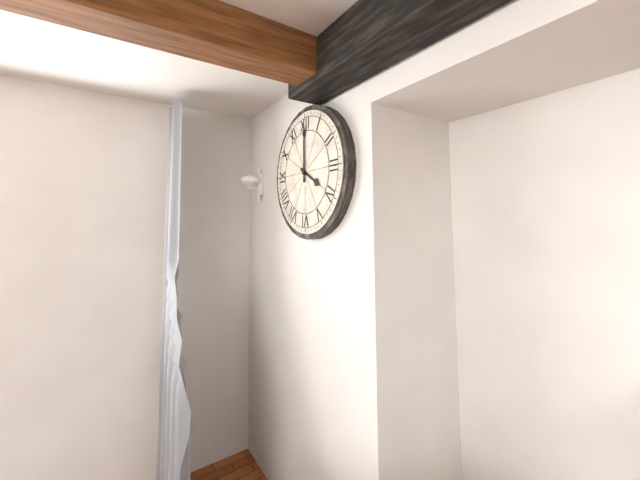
4.00
